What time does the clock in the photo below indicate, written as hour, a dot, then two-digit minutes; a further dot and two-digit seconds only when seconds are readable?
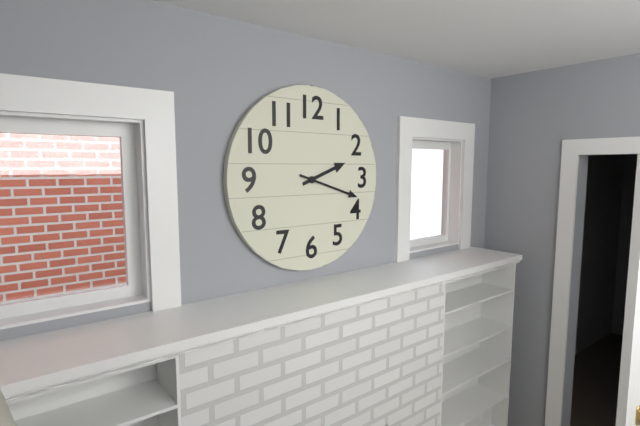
2.18
